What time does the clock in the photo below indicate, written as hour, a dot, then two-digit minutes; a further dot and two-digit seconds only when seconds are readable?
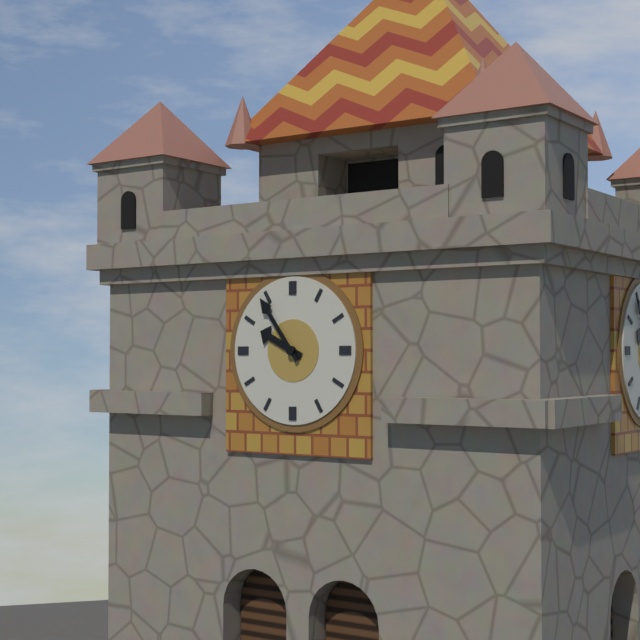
9.54
